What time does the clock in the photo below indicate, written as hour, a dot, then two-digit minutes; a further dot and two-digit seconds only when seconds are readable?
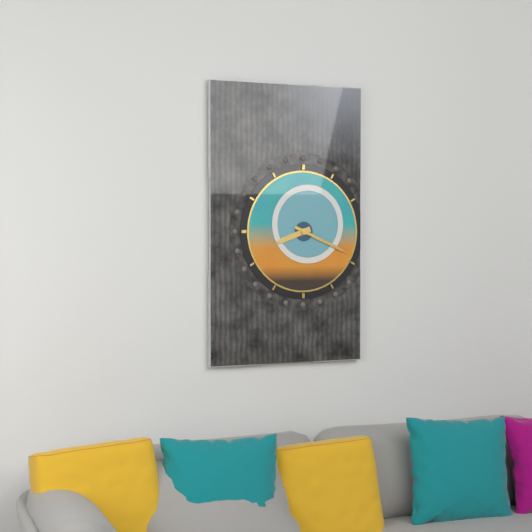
8.19
